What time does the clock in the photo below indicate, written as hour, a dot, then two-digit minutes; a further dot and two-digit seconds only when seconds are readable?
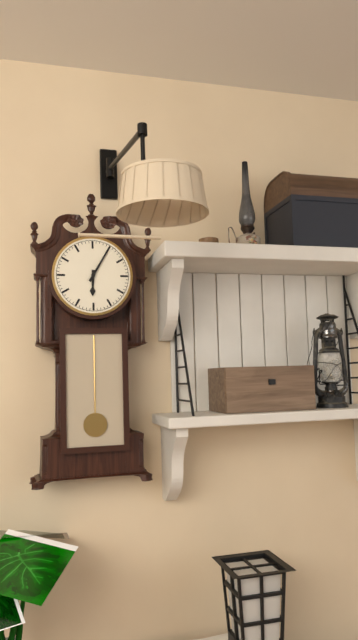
6.05
